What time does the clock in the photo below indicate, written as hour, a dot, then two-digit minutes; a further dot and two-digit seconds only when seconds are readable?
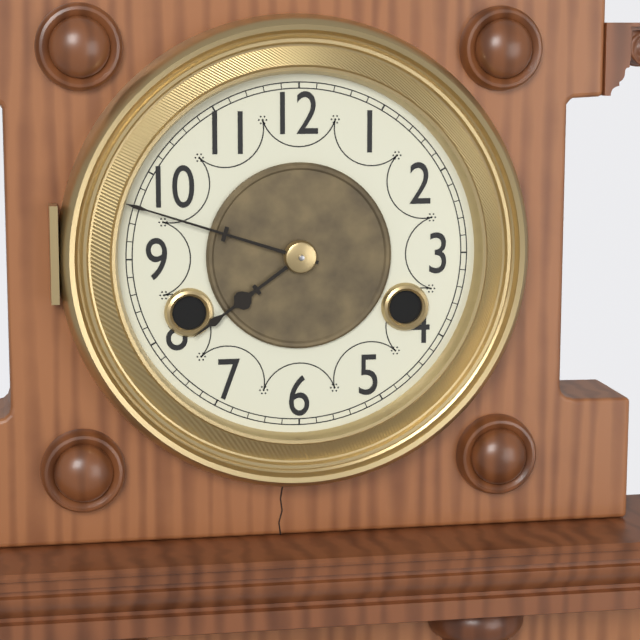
7.48
